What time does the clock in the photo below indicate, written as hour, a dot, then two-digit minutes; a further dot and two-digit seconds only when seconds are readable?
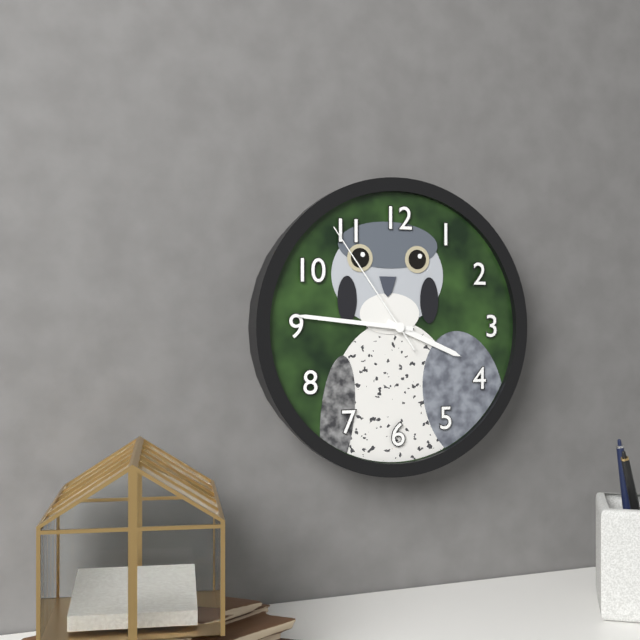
3.46.54
